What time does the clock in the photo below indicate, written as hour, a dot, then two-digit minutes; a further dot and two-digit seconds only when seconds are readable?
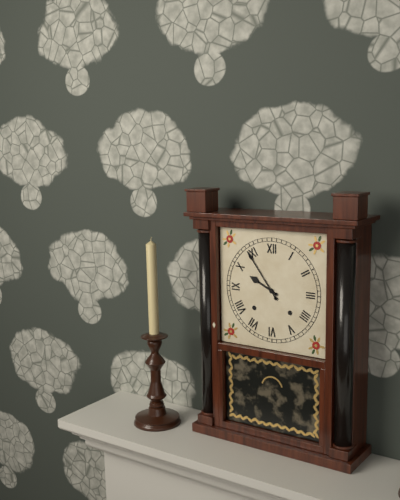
9.54
